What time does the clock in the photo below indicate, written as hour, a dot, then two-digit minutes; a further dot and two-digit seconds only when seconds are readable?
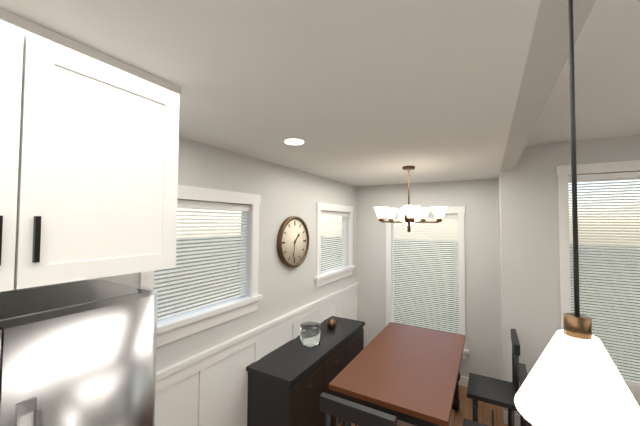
1.32
